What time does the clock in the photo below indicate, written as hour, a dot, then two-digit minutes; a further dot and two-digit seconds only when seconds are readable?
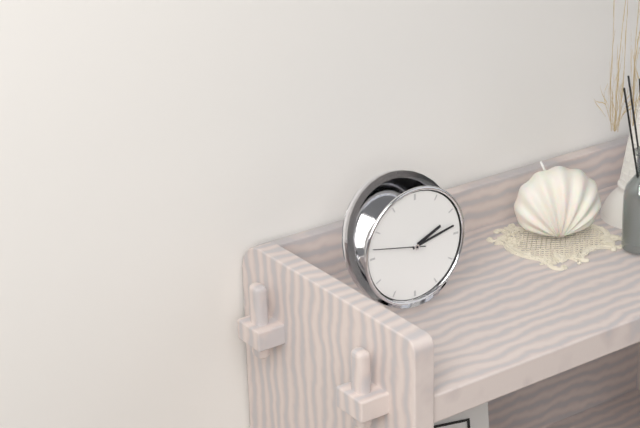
2.13.47
